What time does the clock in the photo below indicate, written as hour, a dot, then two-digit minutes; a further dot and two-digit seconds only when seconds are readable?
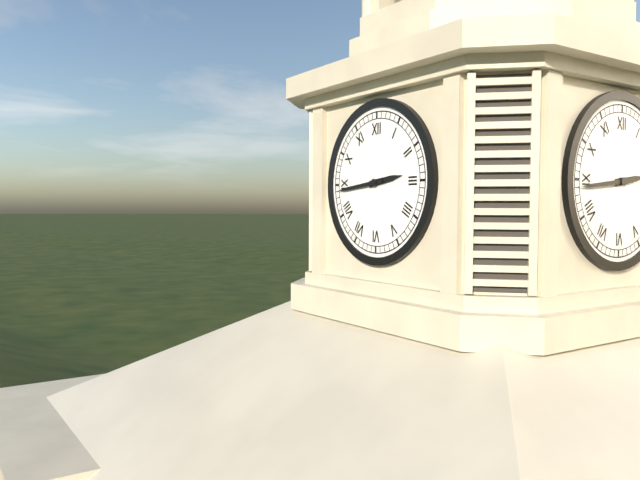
2.44
